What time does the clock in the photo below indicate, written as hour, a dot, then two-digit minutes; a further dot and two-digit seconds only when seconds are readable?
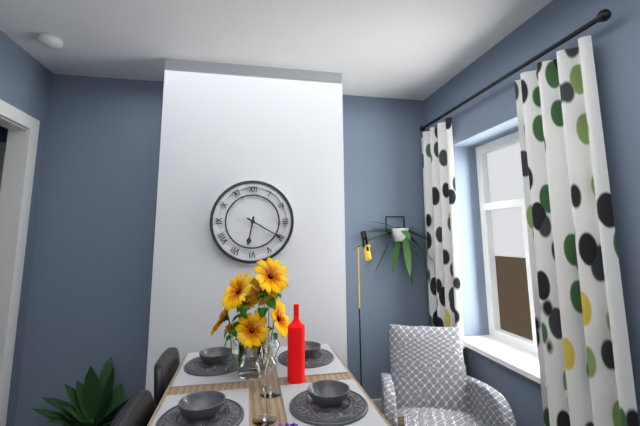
6.20
